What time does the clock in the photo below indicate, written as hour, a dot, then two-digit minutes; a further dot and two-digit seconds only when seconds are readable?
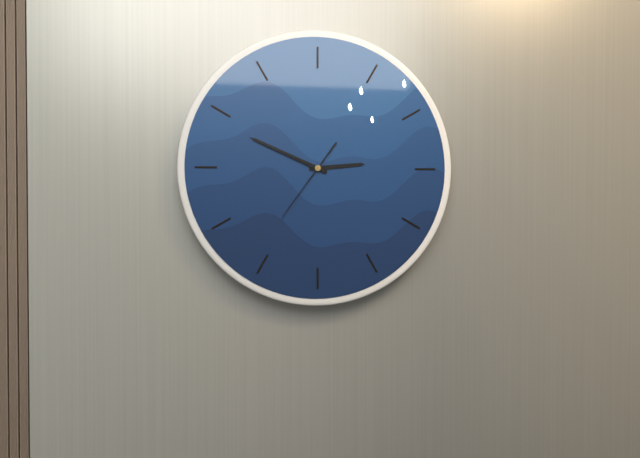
2.49.36
